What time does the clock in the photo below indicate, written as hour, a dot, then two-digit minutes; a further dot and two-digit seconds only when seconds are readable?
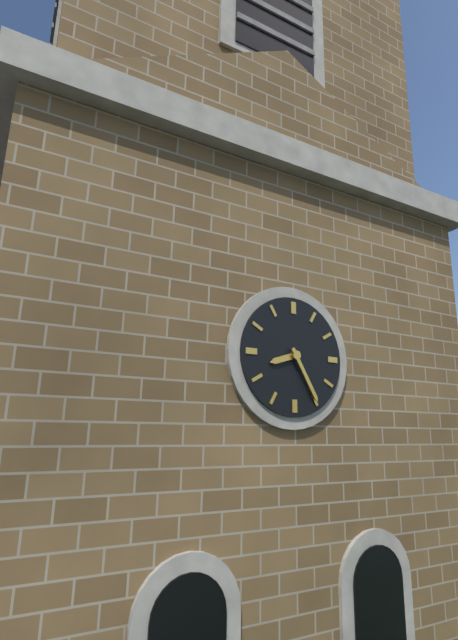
8.25
